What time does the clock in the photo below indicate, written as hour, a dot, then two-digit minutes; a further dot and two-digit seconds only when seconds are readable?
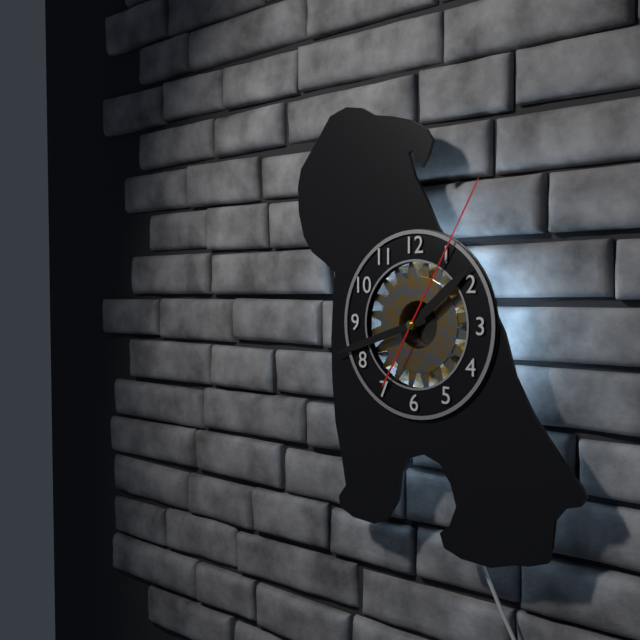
1.42.05
